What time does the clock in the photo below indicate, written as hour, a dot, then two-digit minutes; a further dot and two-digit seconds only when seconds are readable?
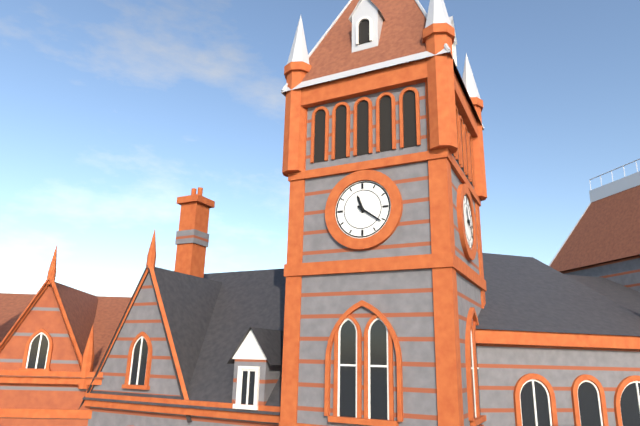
11.21
